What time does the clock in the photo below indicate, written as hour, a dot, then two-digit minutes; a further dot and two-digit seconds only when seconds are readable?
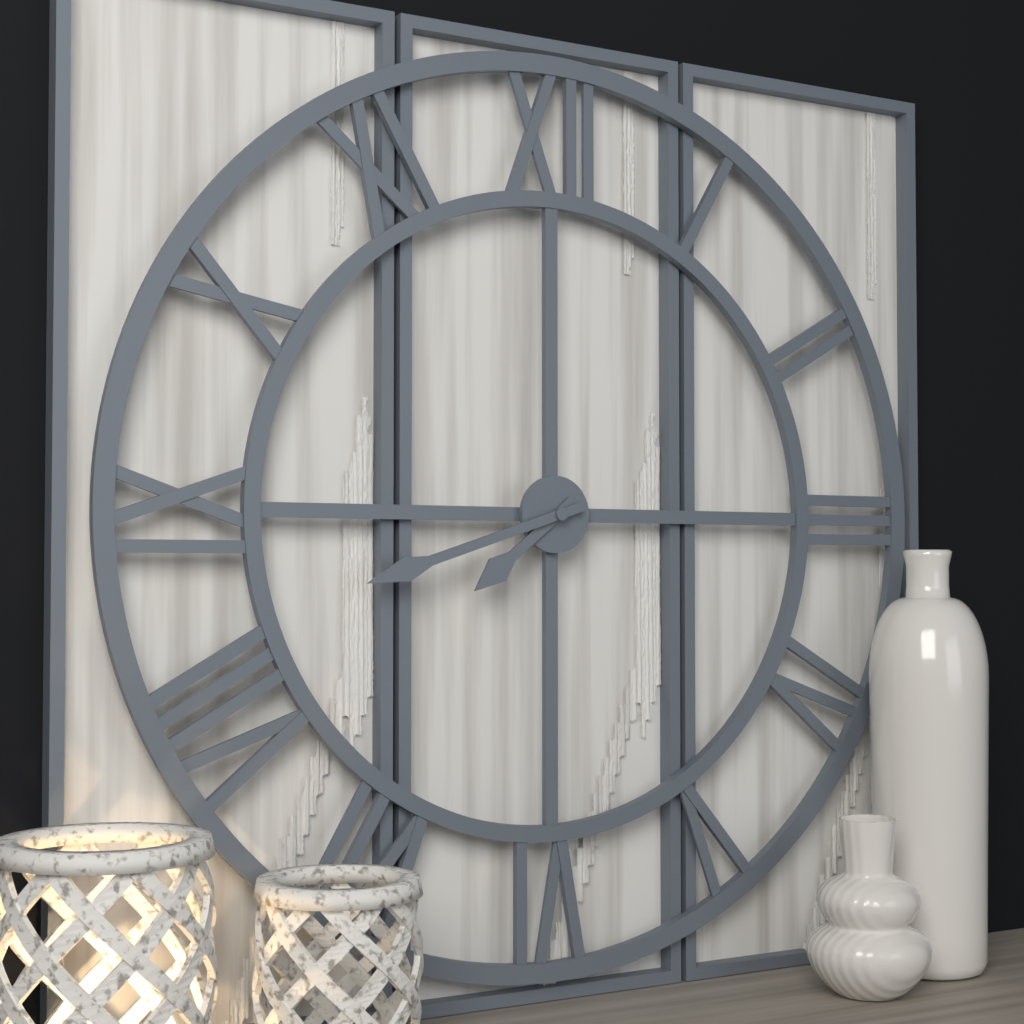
7.42
